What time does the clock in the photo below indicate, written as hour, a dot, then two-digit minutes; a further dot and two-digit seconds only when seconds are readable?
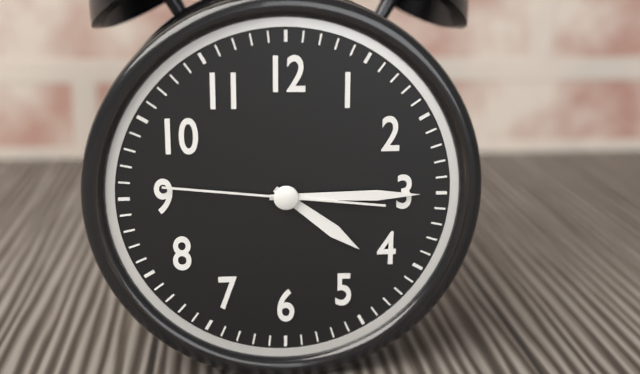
4.15.46
